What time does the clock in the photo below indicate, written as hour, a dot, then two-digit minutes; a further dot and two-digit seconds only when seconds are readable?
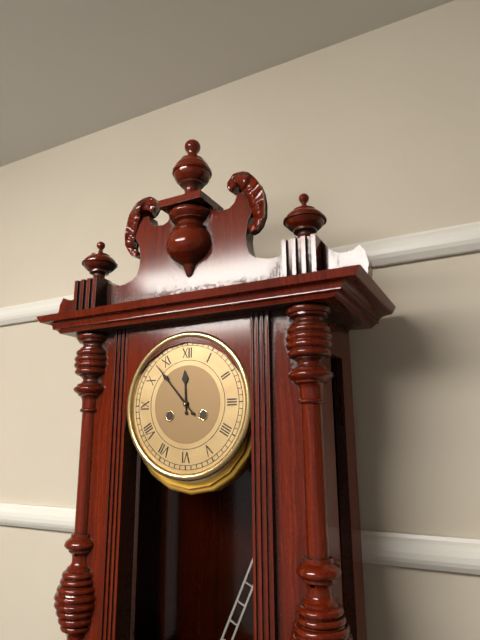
11.53
